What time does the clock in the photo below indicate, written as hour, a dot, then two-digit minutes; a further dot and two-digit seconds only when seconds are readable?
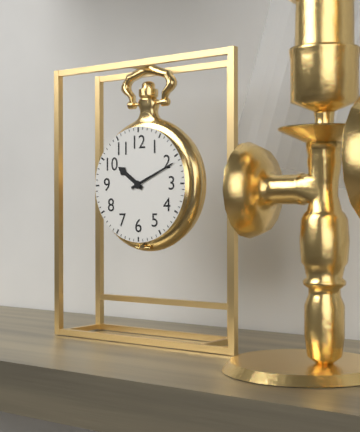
10.11
